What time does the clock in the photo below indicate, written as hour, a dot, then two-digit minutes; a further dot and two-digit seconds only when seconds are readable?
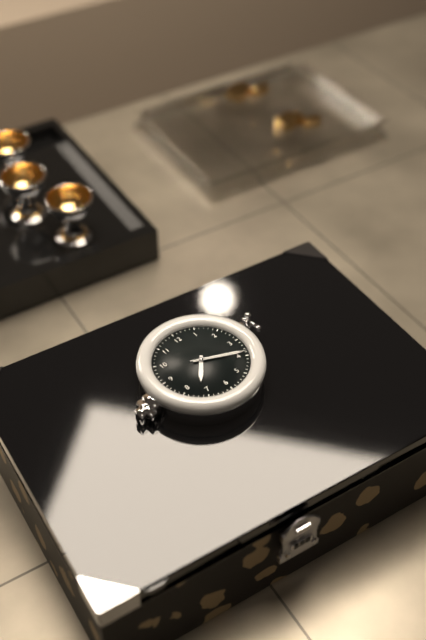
7.19.19
